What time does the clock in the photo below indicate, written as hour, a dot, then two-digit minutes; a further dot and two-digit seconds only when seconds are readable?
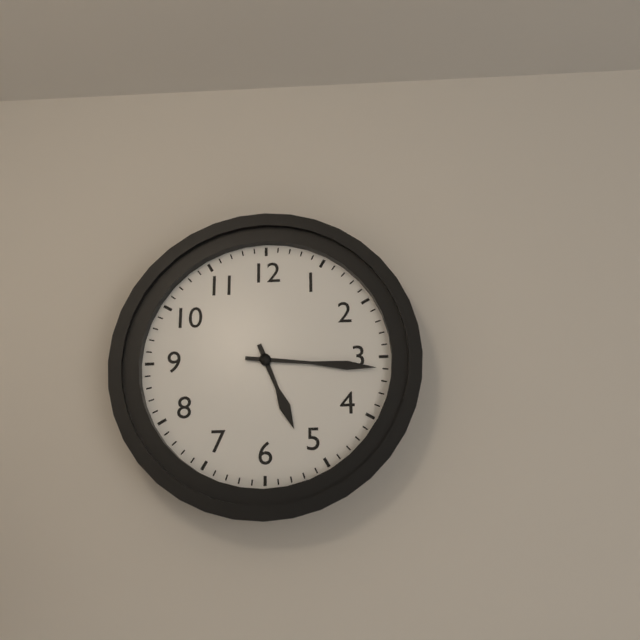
5.16
